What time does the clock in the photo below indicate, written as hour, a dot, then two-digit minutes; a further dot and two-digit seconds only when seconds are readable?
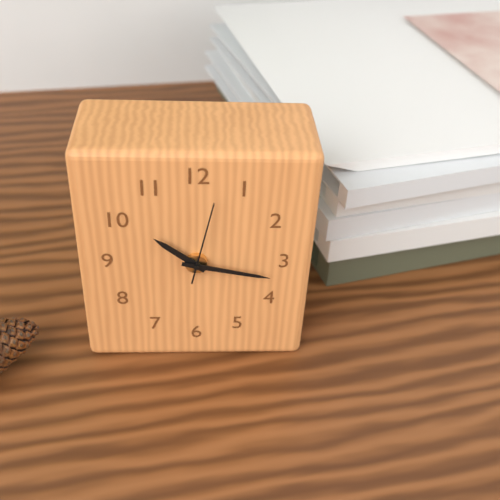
10.17.02
